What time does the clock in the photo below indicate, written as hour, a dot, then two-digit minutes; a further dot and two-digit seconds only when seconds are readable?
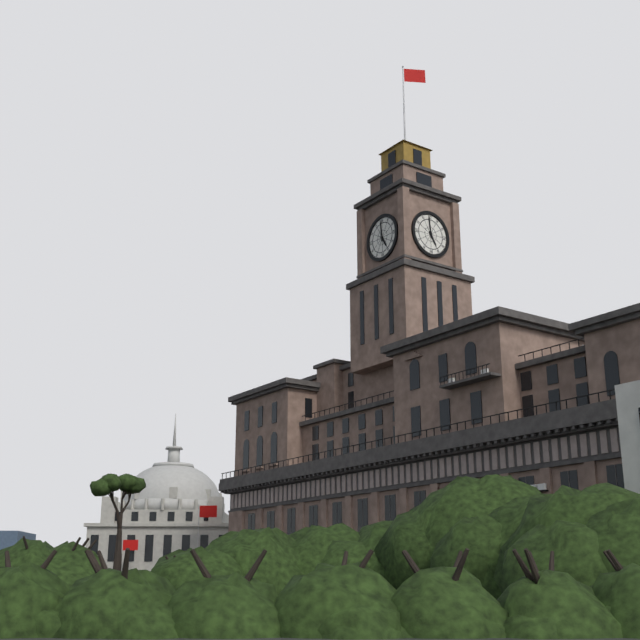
4.59
